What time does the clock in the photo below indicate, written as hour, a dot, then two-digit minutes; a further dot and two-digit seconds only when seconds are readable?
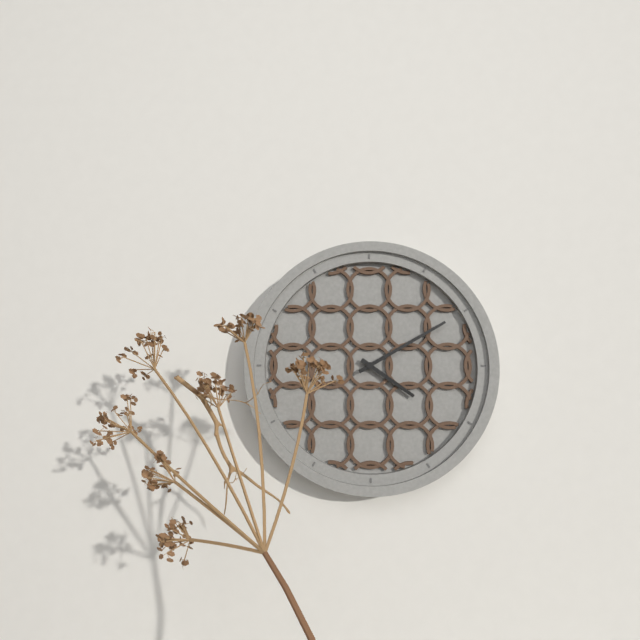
4.10
